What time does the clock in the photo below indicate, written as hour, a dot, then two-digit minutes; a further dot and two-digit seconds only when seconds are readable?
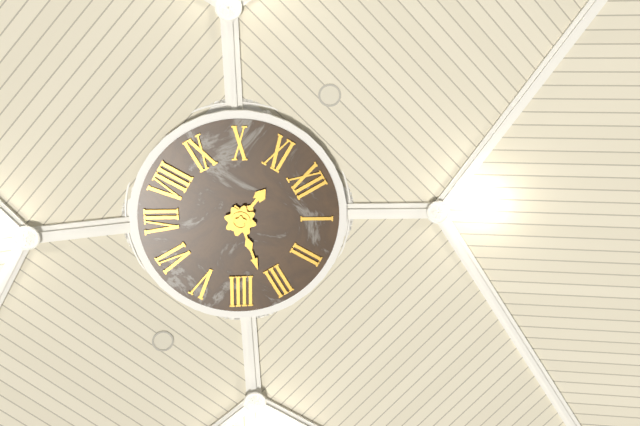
11.17
